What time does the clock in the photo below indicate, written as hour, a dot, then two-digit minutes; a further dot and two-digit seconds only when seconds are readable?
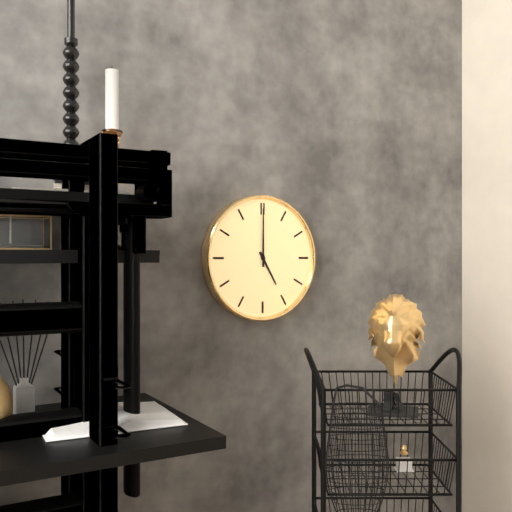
5.00
